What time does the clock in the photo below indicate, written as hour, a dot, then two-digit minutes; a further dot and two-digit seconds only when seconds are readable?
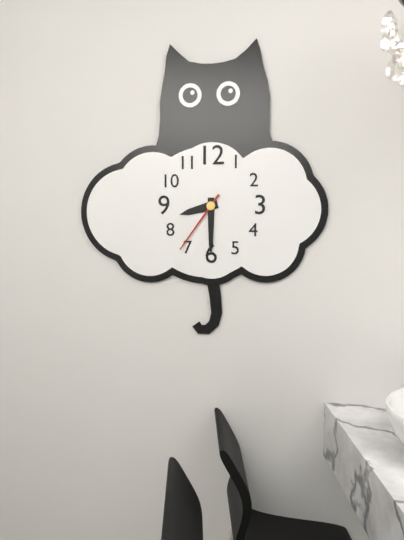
8.30.36
